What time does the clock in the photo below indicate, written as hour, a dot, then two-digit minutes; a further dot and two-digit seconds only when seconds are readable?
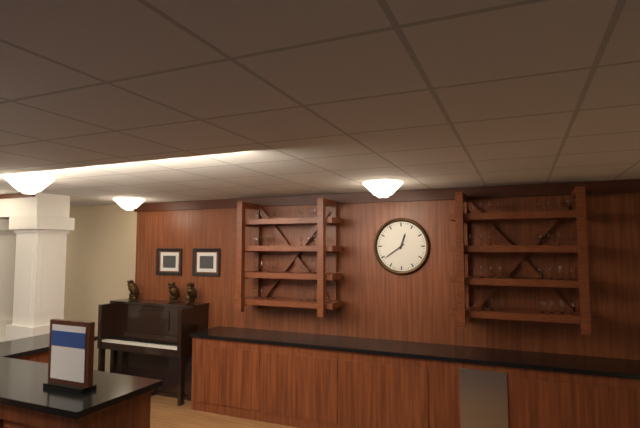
12.39
